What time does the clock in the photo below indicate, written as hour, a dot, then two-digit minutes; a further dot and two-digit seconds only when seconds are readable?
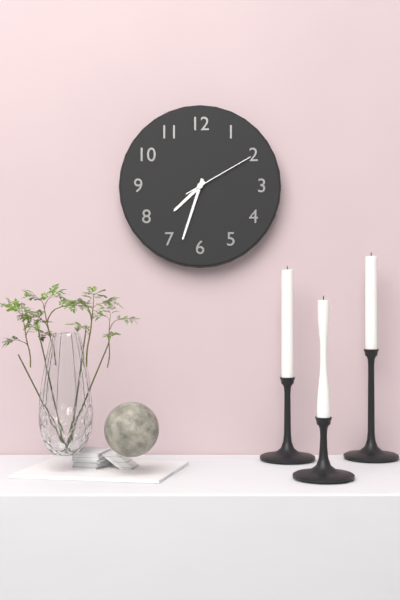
7.33.10
